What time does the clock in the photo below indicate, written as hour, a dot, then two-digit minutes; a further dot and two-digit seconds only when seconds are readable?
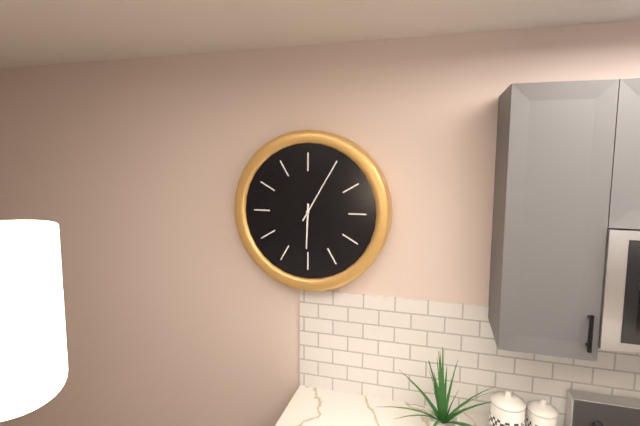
6.05
